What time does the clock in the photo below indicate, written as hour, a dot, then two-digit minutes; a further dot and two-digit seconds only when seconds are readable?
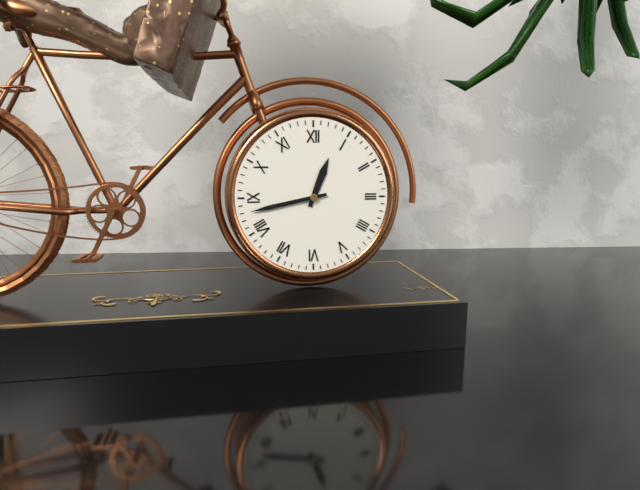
12.43
